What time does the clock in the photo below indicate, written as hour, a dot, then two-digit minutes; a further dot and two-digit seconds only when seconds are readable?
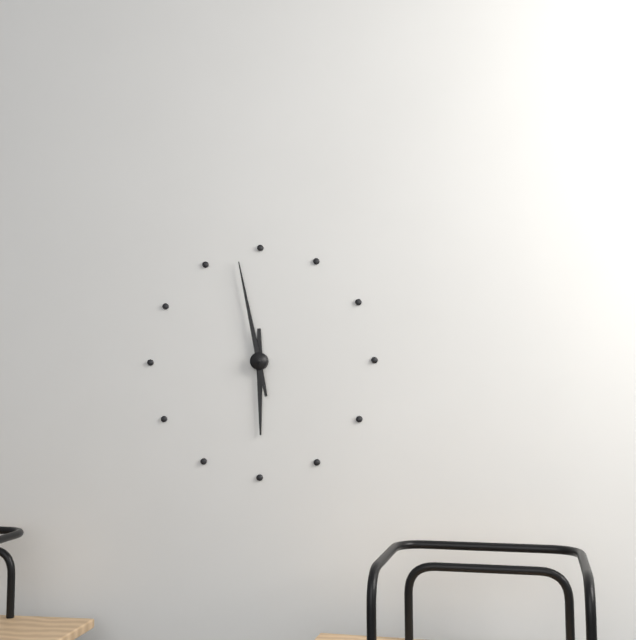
5.58
